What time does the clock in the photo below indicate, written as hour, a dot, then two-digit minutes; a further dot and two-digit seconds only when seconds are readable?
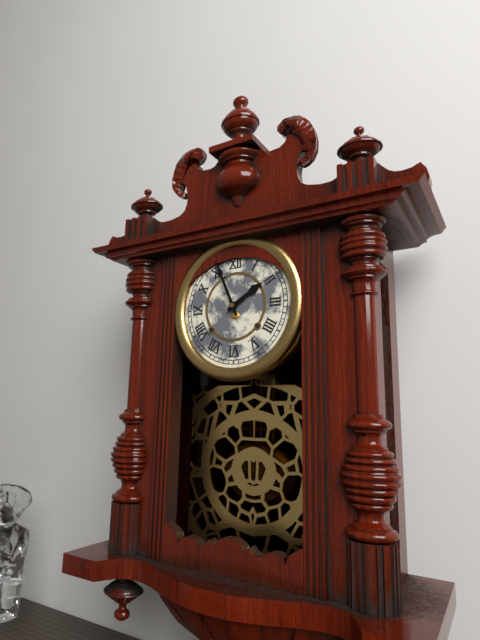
1.56
